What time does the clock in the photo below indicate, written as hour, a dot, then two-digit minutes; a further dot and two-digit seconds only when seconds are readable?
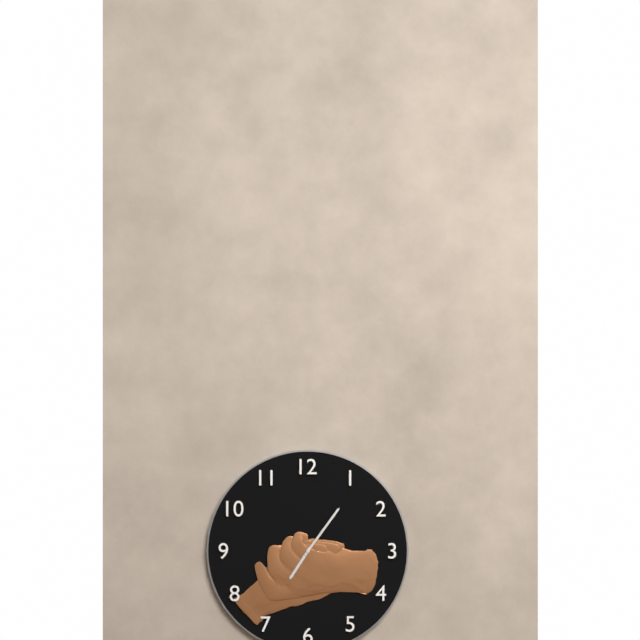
7.06
